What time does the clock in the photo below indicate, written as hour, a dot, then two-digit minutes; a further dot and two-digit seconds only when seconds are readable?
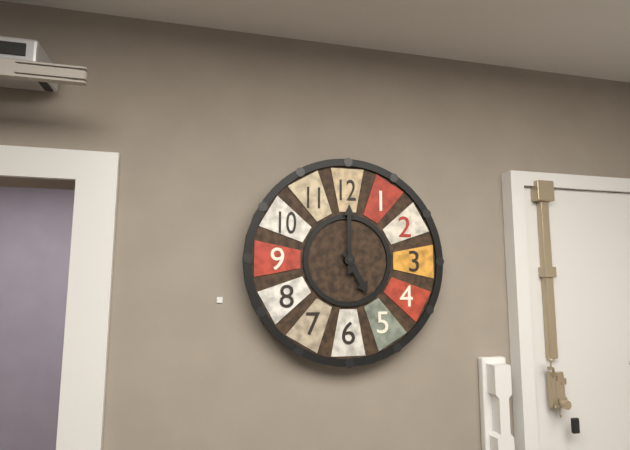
5.00
